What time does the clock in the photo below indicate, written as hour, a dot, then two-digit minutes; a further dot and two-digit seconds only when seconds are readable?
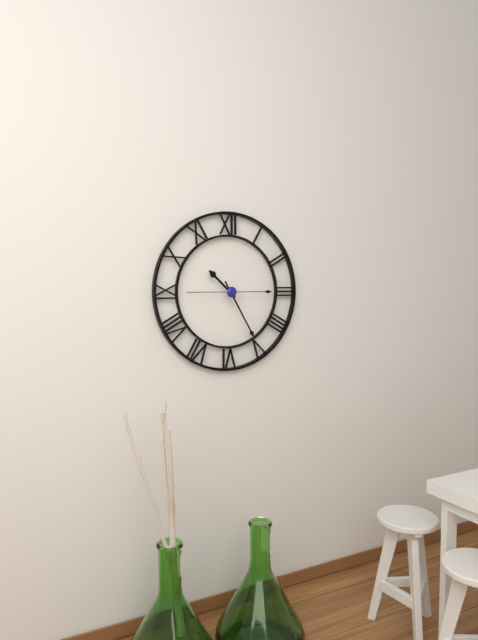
10.25
